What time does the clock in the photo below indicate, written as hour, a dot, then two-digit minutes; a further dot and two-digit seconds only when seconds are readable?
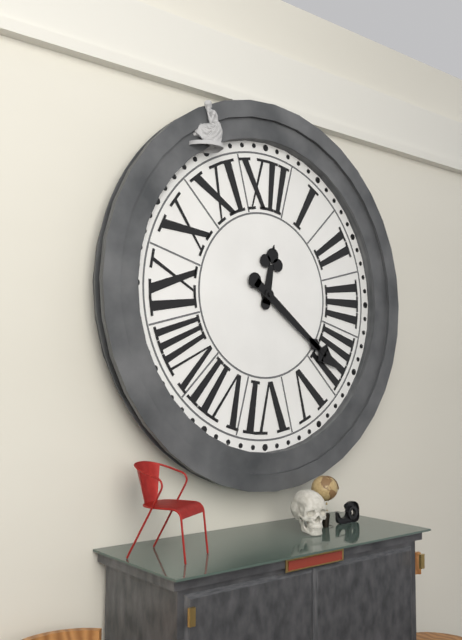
12.21
